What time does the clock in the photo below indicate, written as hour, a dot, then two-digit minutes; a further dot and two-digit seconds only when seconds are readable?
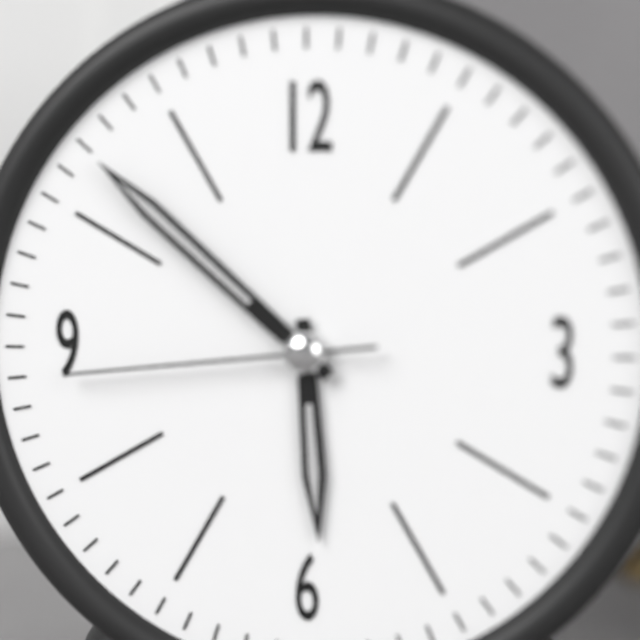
5.52.44
